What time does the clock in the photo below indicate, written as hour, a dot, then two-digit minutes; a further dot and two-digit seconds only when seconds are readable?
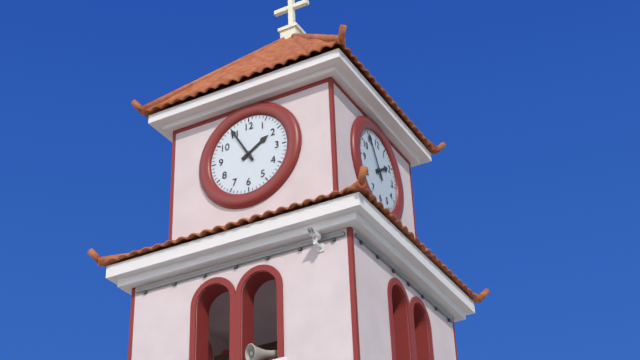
1.55
